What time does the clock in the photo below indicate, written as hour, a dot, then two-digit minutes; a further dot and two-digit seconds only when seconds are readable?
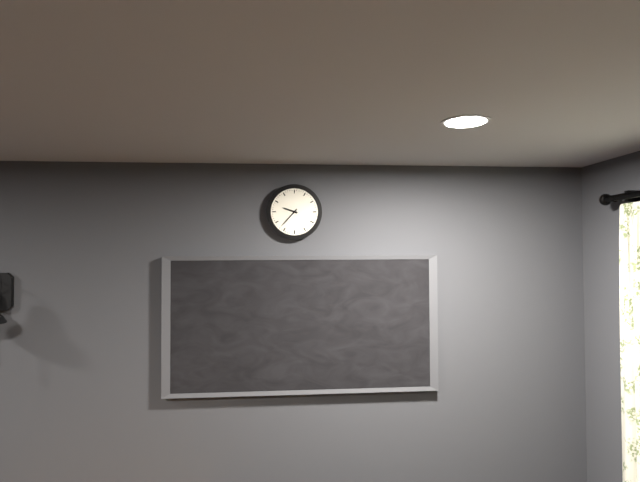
9.37
